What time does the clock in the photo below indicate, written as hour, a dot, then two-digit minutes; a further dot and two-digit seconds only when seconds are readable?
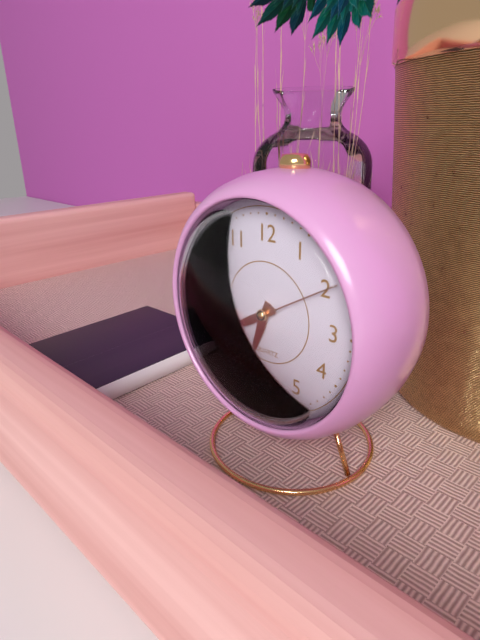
6.40.10
